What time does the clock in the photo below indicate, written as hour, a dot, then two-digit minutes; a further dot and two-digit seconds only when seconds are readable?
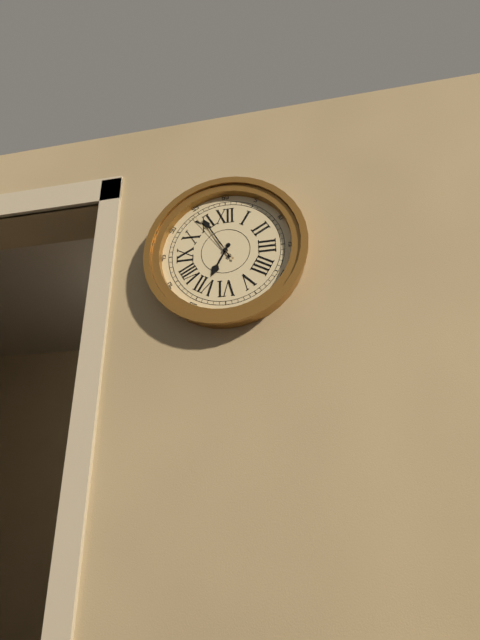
6.55.54
